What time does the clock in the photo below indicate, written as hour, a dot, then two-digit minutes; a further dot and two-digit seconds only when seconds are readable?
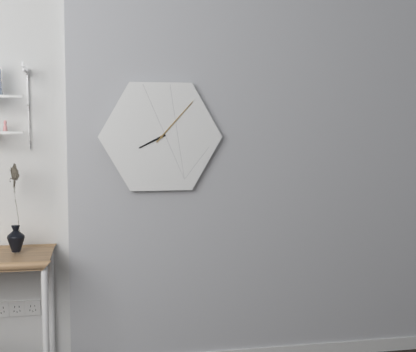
8.07
